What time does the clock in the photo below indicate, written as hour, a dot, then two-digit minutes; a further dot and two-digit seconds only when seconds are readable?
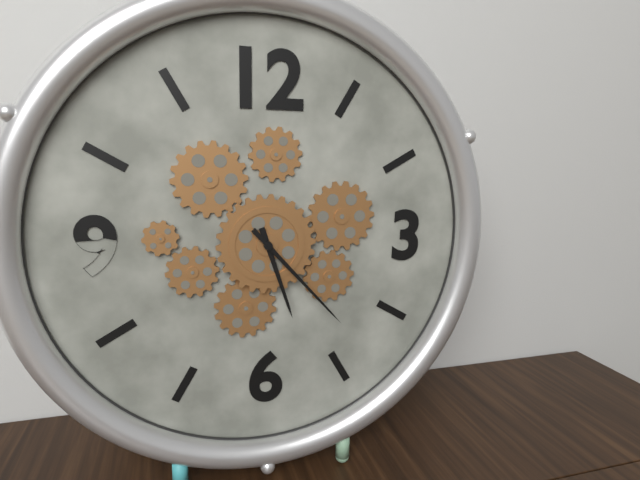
5.23
